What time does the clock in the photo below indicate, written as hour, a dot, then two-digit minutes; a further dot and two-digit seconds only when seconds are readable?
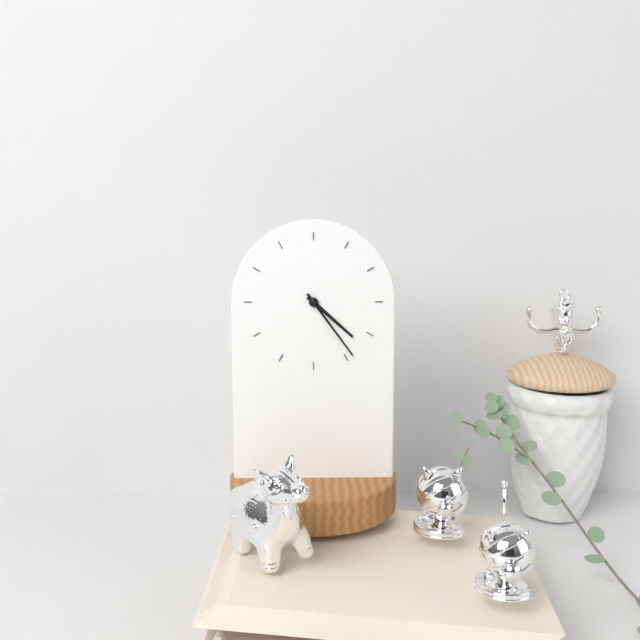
4.24
